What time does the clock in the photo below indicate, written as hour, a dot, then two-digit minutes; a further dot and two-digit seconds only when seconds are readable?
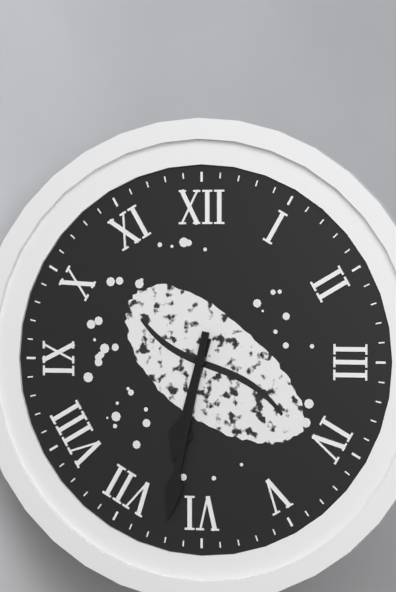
6.32
